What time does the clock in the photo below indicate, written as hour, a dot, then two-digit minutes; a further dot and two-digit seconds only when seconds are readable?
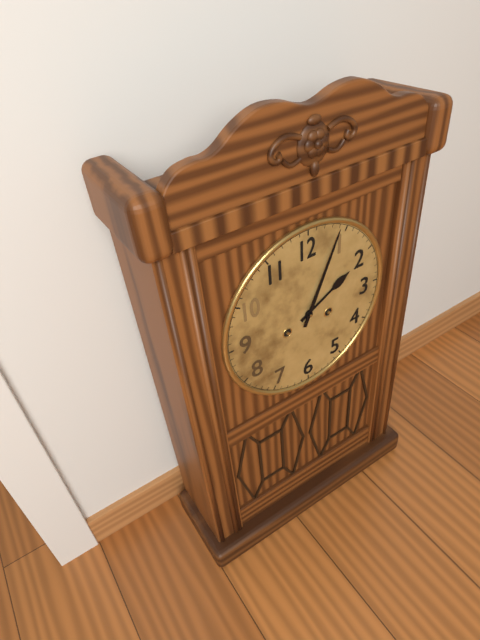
2.04
